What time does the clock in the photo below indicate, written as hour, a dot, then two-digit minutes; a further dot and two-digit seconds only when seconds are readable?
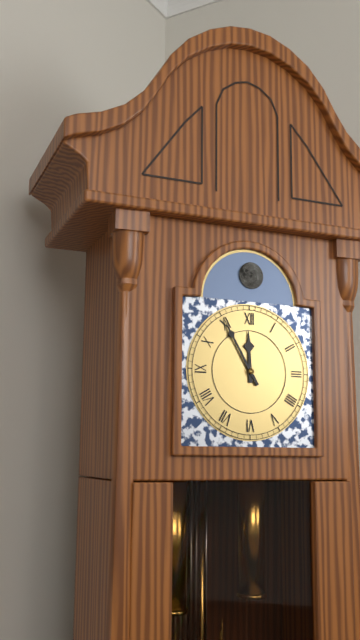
11.55
